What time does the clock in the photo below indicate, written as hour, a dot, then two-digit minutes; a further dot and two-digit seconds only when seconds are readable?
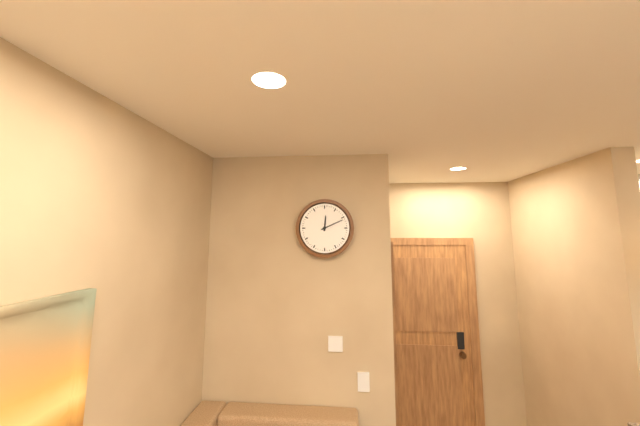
12.11
